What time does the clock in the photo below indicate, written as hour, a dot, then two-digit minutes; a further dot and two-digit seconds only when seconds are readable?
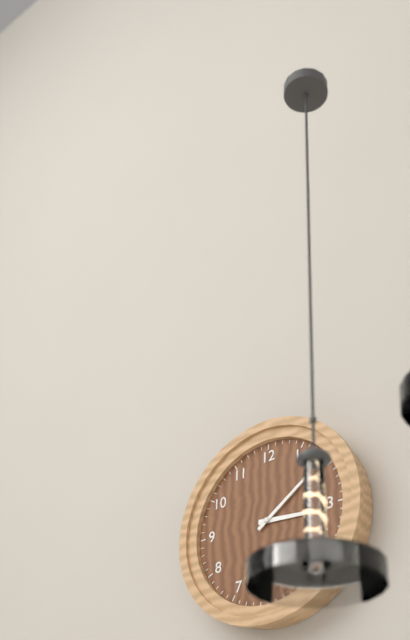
3.09
